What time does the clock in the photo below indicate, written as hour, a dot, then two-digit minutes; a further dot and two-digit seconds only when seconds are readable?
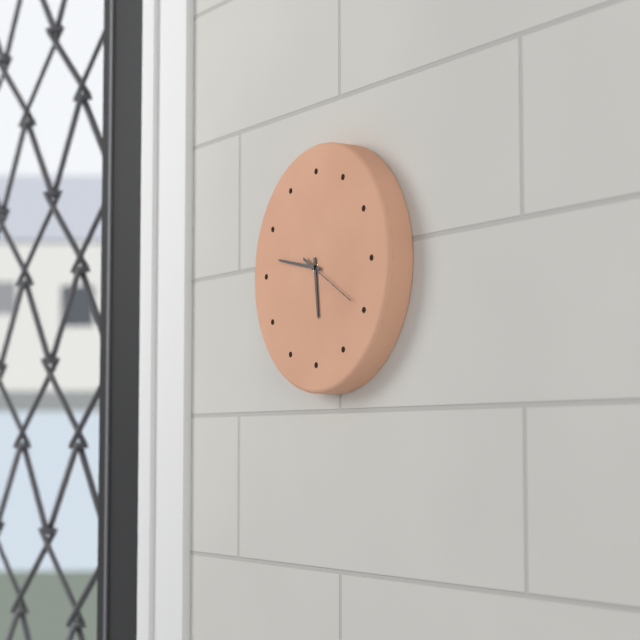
5.47.20
